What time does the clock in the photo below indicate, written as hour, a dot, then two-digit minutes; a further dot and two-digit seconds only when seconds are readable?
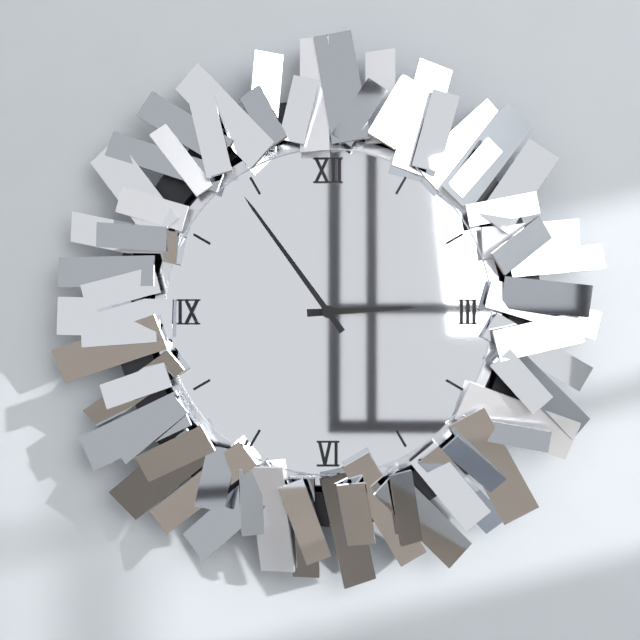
2.54
